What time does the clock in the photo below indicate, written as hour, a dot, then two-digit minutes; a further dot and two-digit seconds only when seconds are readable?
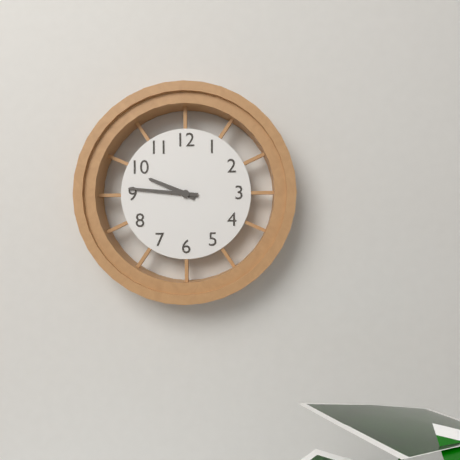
9.46
